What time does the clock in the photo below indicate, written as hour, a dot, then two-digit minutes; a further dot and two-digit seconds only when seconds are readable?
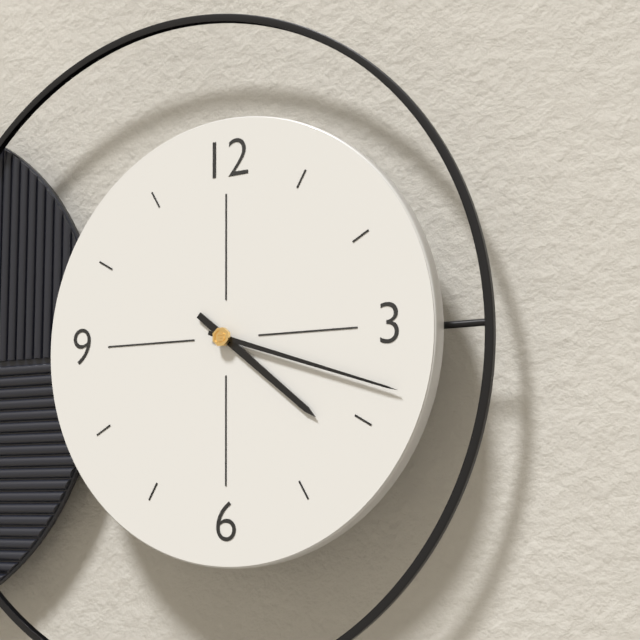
4.18
